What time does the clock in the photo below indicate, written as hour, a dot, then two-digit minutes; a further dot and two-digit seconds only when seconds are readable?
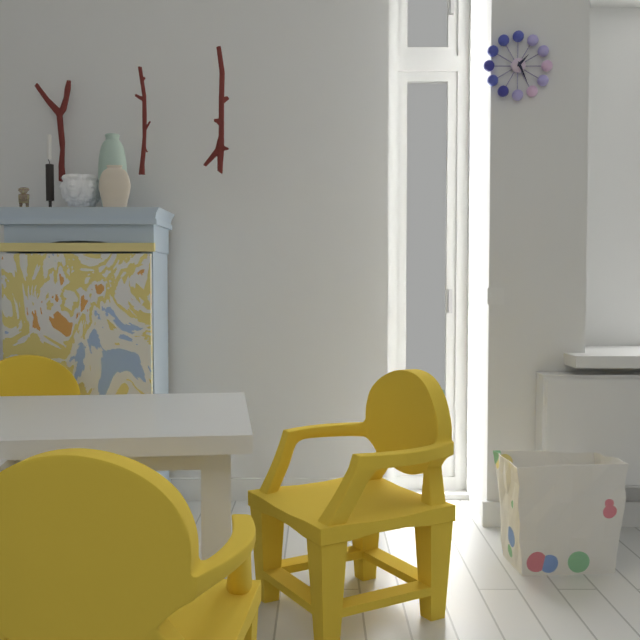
1.26
